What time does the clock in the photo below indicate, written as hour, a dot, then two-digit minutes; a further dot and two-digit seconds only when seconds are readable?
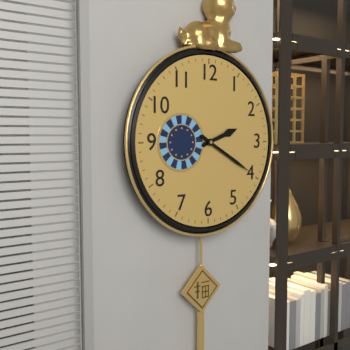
2.20
